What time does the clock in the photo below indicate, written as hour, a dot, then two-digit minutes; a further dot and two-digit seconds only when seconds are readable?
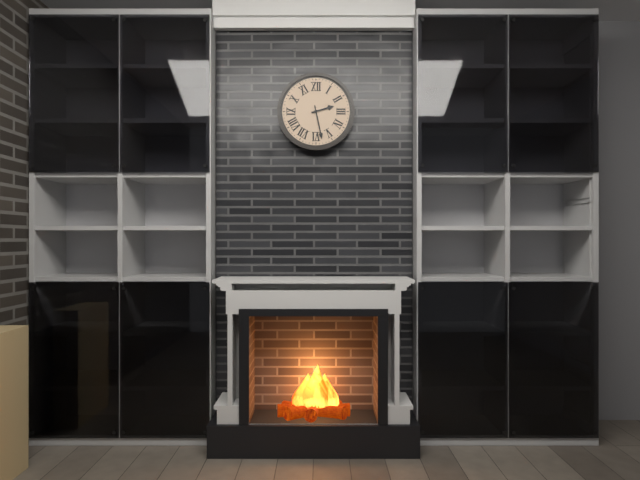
2.28
